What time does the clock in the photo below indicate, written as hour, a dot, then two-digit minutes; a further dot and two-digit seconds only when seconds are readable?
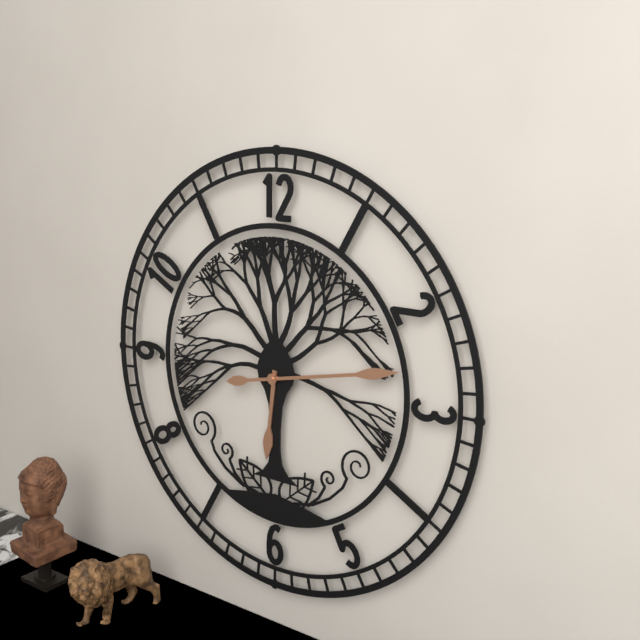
6.13
